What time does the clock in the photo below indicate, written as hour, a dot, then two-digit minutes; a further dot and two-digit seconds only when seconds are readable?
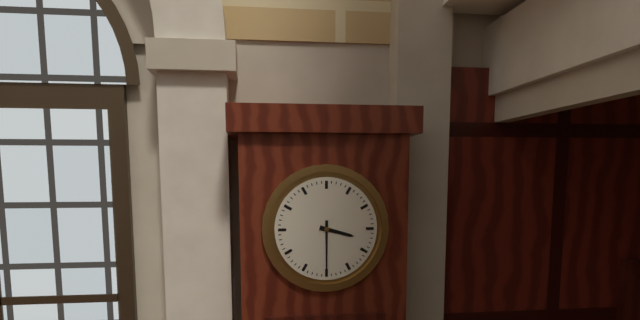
3.30
